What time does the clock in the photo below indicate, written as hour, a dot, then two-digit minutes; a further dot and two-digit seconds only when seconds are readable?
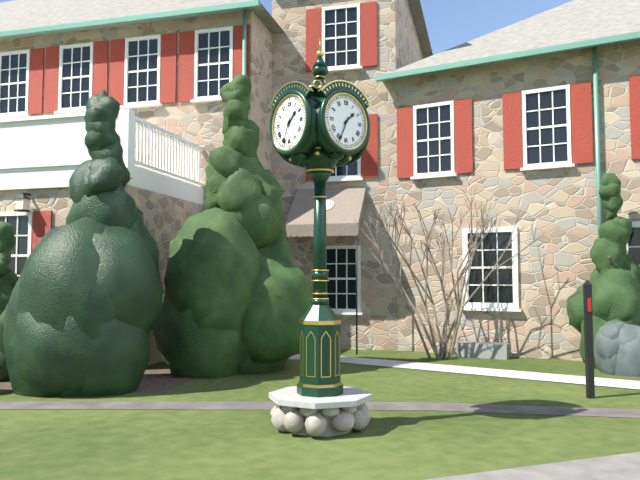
1.34
